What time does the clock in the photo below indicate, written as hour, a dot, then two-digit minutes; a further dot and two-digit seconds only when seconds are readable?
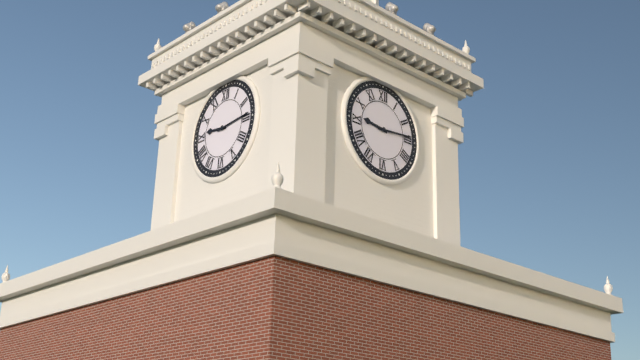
9.14
